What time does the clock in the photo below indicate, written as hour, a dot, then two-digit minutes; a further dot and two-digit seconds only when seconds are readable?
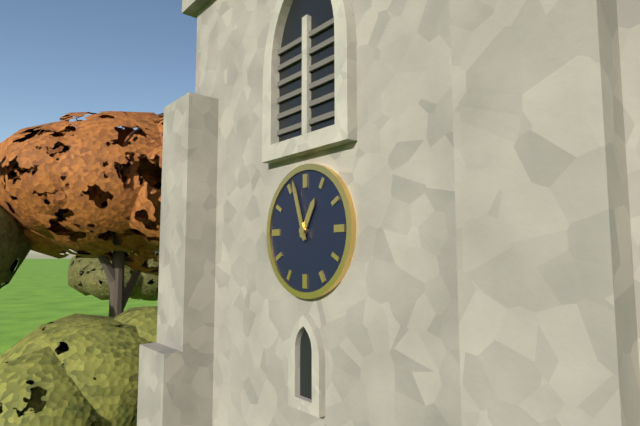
12.57
